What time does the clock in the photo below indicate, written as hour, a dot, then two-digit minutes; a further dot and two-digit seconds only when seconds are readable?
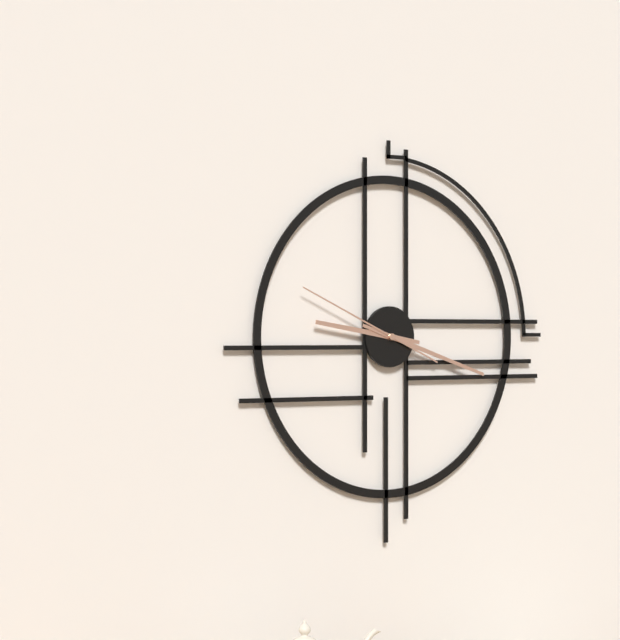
9.18.49
